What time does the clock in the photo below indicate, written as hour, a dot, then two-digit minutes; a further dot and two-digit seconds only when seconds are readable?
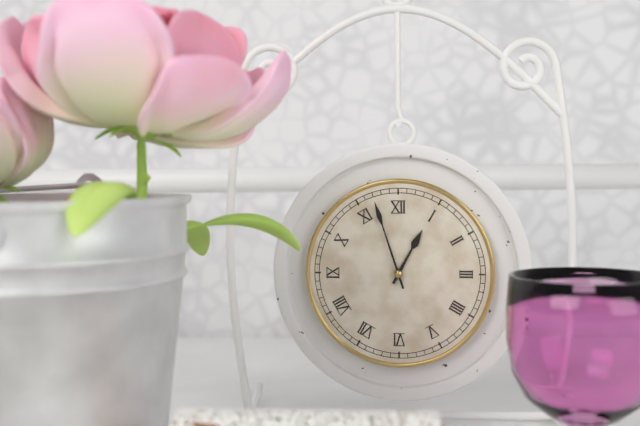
12.57
